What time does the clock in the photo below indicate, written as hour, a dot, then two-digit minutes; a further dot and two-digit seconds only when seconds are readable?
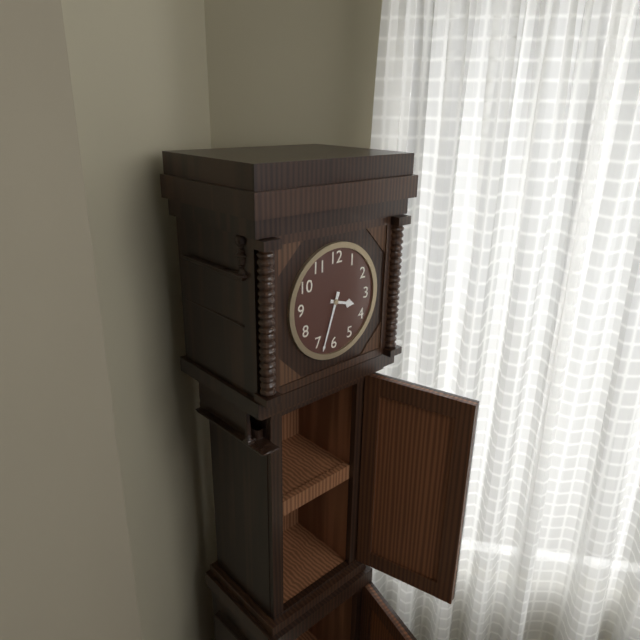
3.33
